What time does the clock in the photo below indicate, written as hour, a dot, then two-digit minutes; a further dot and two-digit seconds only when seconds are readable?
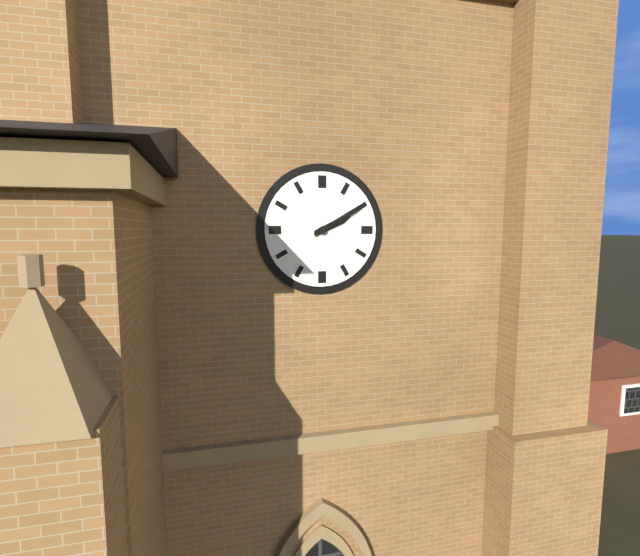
2.10
